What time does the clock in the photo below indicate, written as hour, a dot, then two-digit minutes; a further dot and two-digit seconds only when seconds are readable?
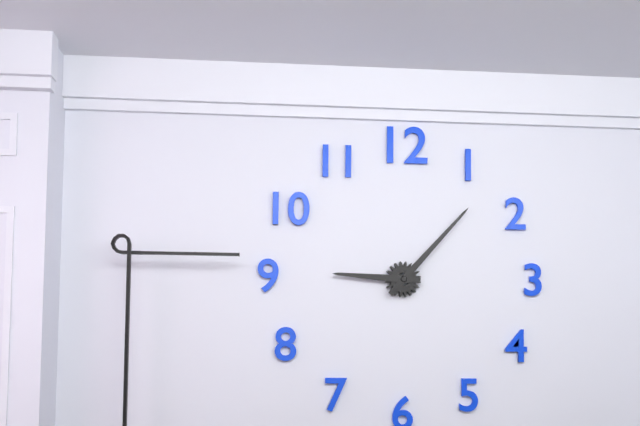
9.07
